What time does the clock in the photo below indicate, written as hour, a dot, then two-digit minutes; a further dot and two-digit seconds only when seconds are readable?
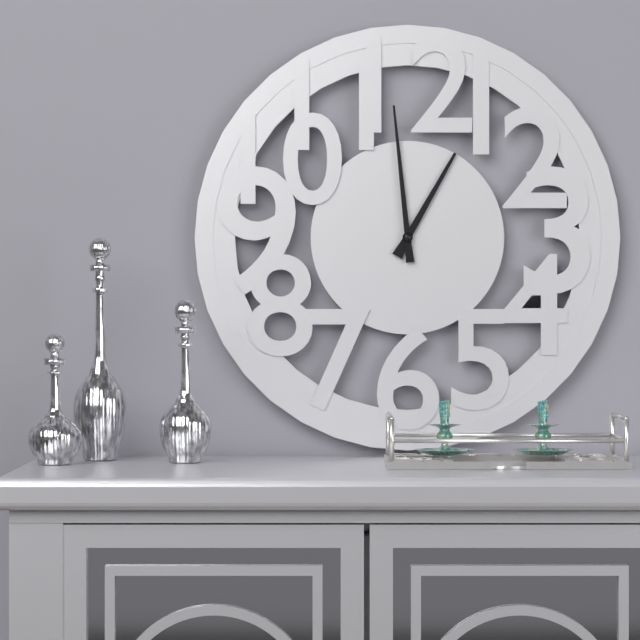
12.59
